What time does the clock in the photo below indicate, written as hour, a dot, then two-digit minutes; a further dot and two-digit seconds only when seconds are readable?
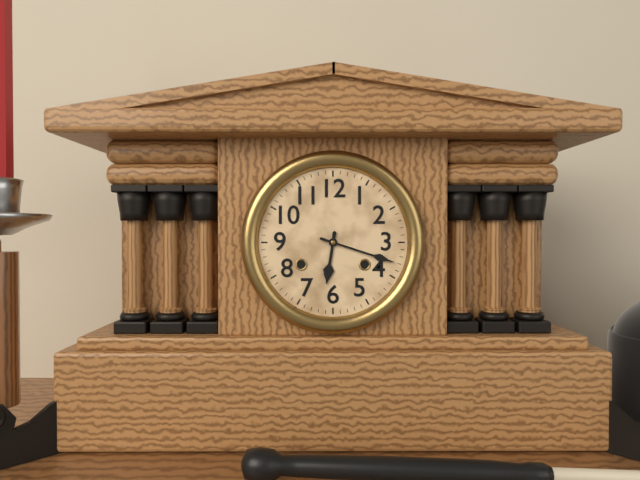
6.18
